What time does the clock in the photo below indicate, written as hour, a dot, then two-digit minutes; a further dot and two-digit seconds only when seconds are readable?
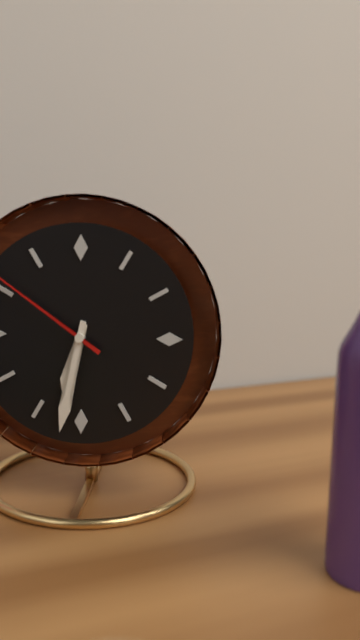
6.32
